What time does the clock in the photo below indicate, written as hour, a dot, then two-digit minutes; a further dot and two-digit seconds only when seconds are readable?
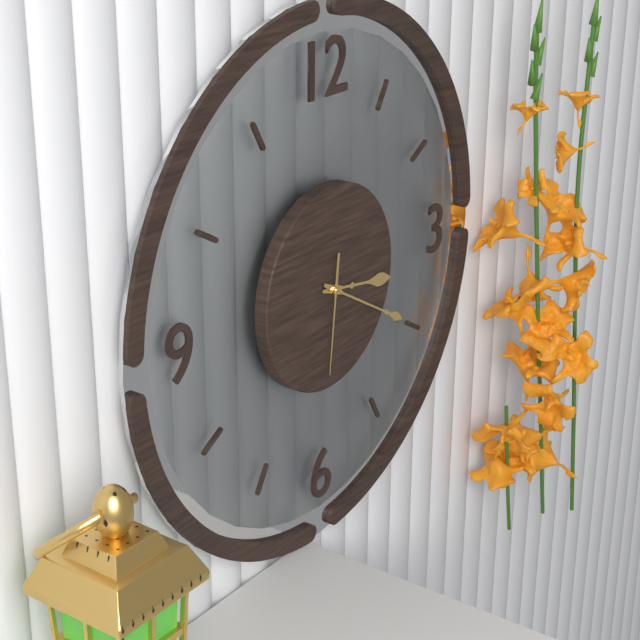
3.20.31
